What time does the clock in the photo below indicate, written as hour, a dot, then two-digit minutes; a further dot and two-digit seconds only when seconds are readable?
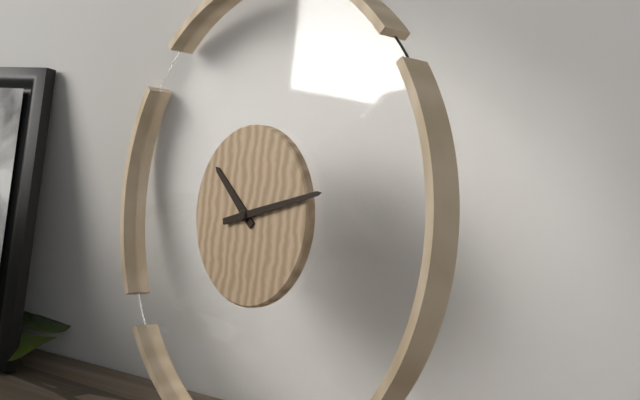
10.12
